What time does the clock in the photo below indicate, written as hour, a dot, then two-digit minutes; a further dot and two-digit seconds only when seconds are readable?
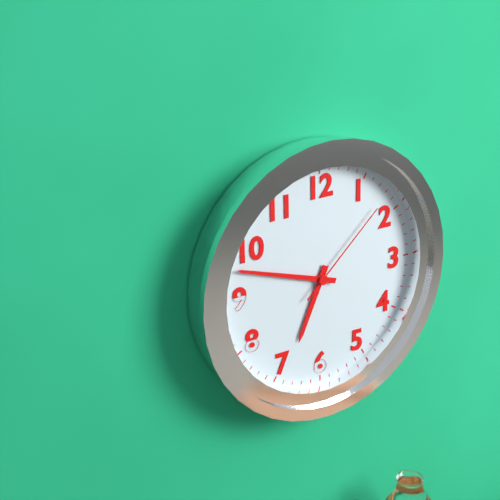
6.48.08
